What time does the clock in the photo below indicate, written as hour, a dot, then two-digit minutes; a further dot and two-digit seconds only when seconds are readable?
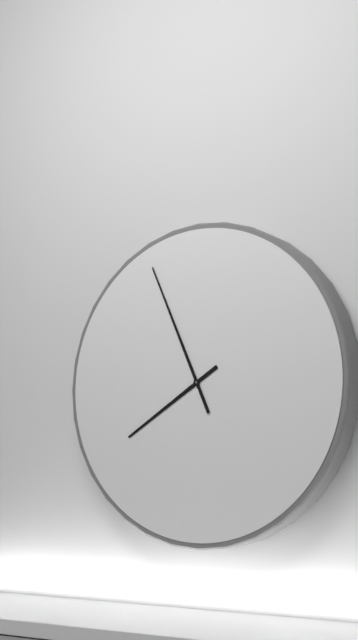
7.56
